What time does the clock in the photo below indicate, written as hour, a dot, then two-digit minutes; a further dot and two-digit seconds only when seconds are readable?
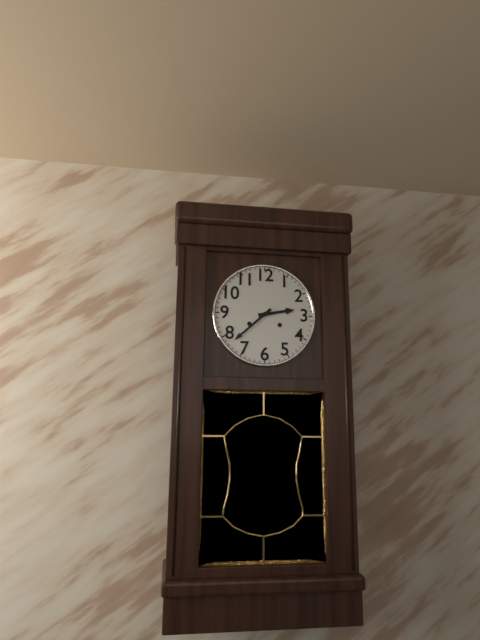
2.38
